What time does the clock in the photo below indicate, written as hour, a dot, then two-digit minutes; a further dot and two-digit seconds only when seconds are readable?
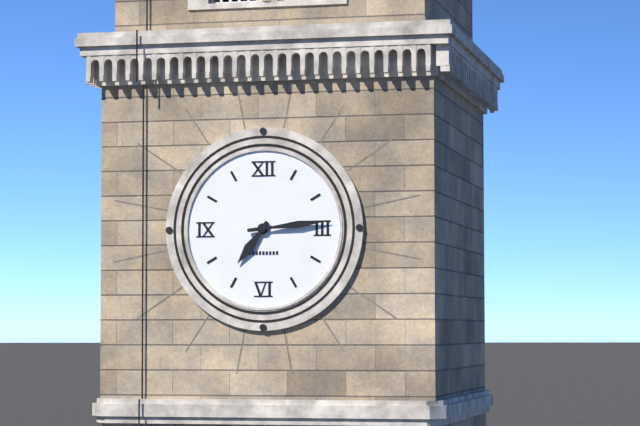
7.14
